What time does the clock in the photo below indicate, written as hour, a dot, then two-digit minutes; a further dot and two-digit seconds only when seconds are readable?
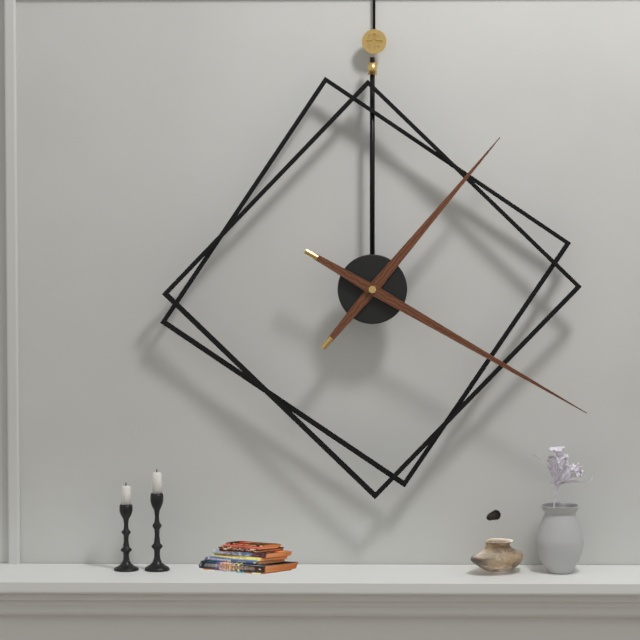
1.20
